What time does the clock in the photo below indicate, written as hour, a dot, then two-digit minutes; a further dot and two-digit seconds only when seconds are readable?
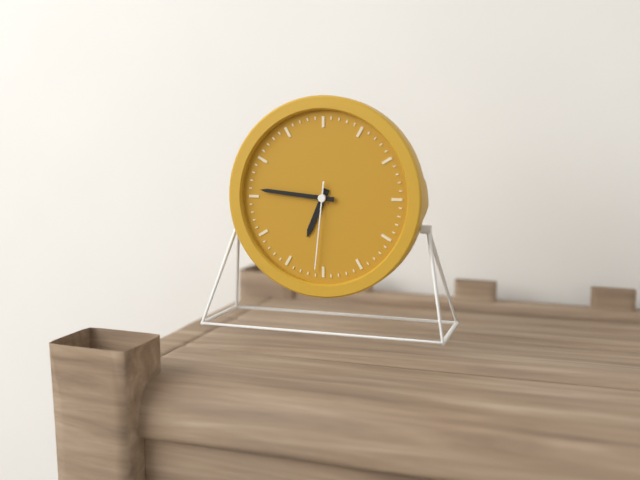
6.46.31
